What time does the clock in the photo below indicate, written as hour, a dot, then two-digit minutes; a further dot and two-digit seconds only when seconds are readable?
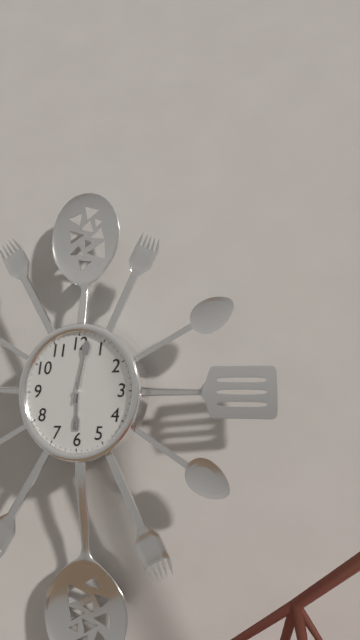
6.02
